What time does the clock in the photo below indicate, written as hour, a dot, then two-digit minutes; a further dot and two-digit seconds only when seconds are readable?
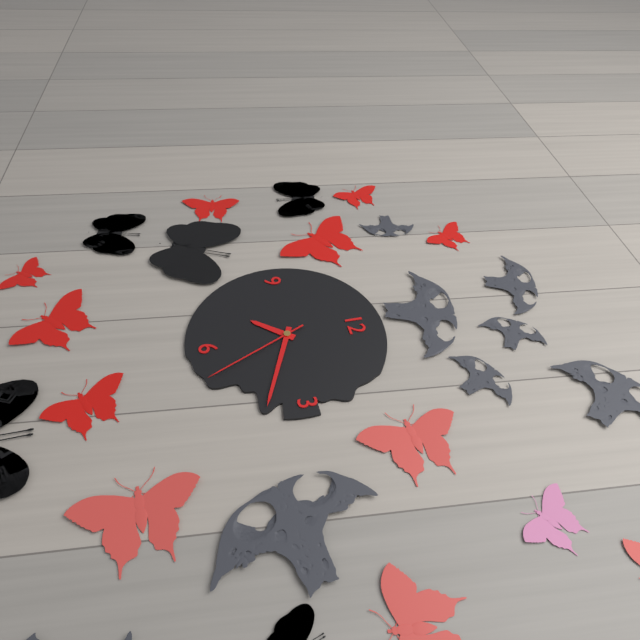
7.19.26
